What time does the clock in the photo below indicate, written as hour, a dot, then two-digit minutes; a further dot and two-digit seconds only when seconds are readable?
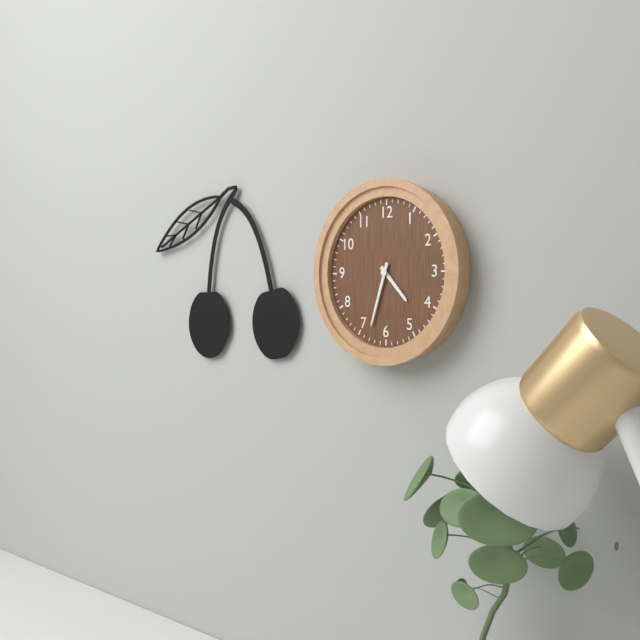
4.33
